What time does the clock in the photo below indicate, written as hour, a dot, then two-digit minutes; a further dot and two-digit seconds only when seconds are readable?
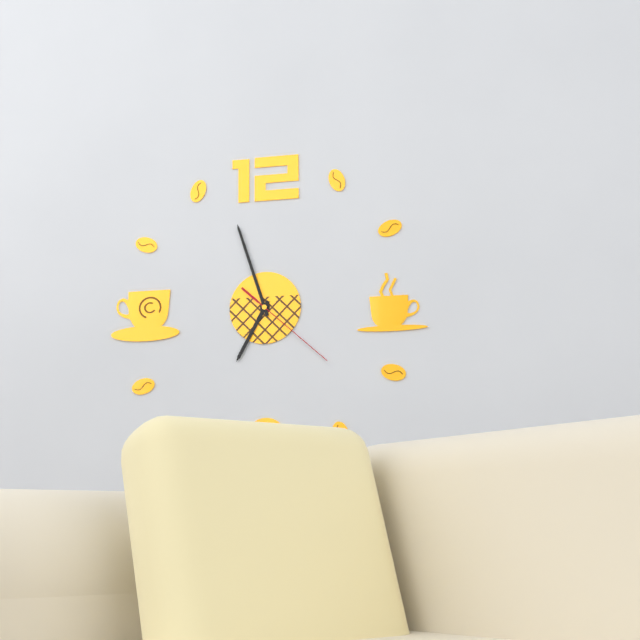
6.57.22
